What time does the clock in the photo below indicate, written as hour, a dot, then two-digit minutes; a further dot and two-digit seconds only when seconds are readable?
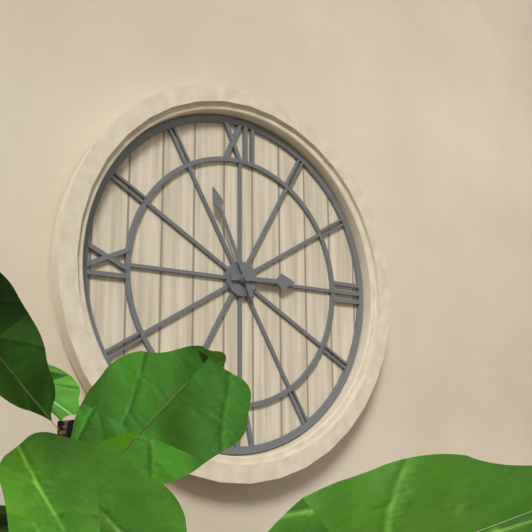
2.56
